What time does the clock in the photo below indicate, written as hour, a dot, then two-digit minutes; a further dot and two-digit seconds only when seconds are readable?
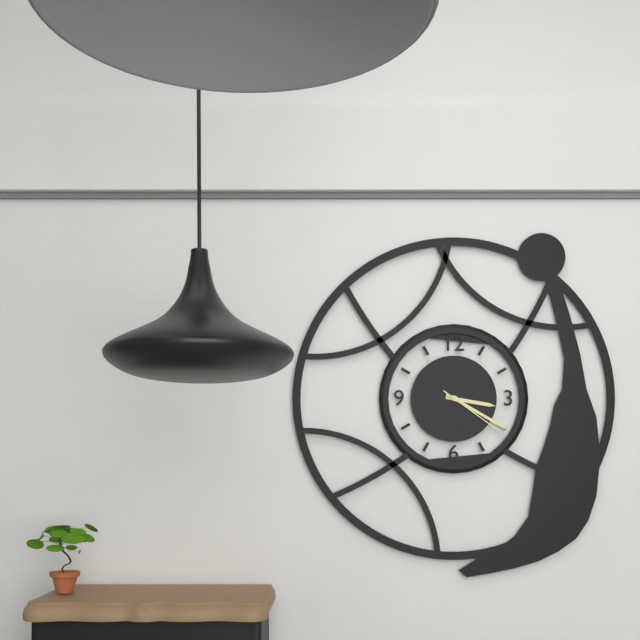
3.20.21
